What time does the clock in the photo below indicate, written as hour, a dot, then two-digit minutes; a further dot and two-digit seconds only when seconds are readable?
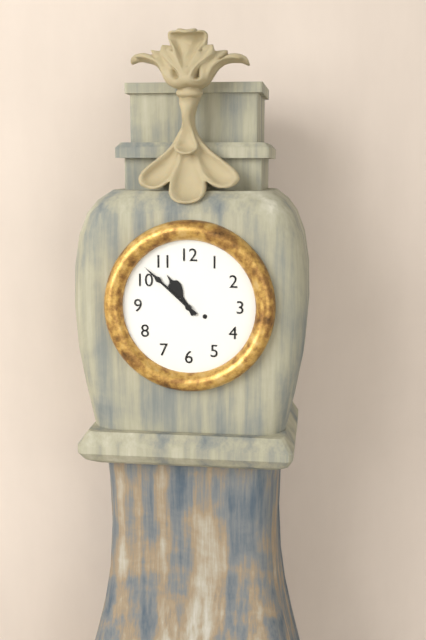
10.52
